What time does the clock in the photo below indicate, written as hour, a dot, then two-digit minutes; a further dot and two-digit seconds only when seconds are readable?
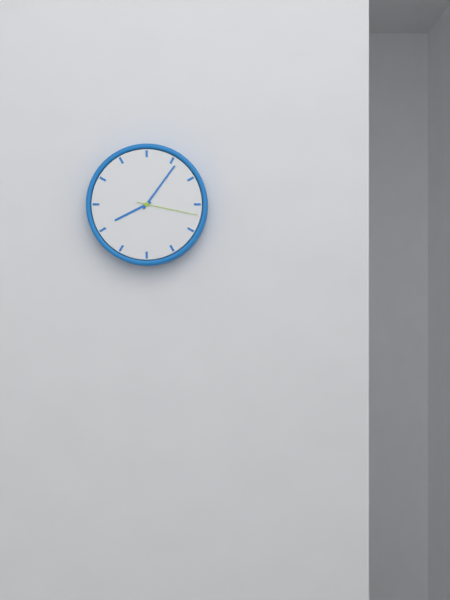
8.06.17
